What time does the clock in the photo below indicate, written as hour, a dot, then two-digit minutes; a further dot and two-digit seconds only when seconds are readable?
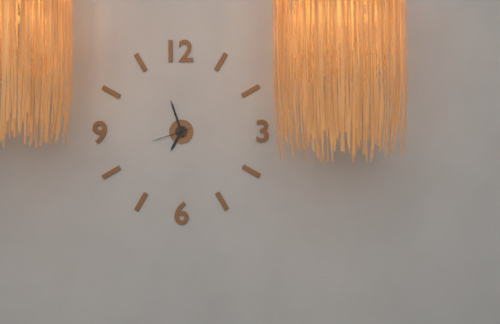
6.57
